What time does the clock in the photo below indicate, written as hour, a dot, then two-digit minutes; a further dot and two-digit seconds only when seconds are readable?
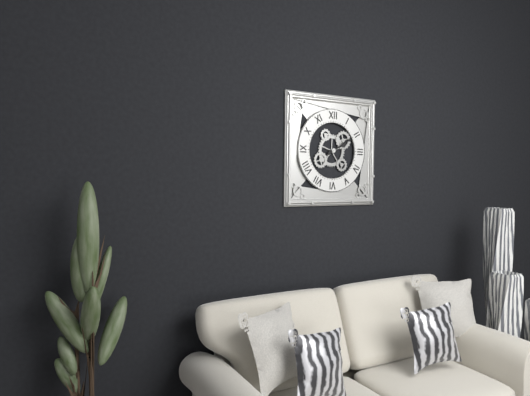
2.10
